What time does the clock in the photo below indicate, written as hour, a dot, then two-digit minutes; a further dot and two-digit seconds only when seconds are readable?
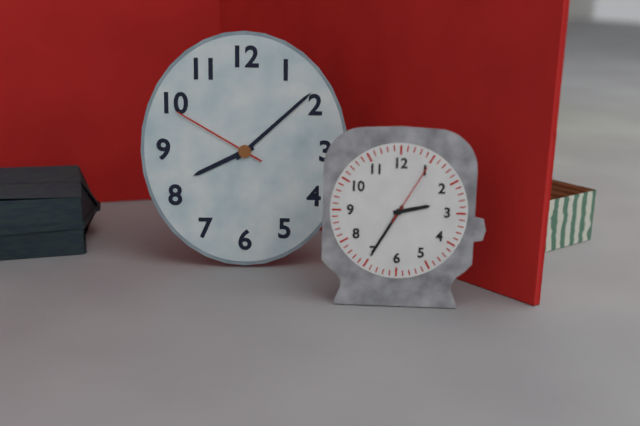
8.08.50
